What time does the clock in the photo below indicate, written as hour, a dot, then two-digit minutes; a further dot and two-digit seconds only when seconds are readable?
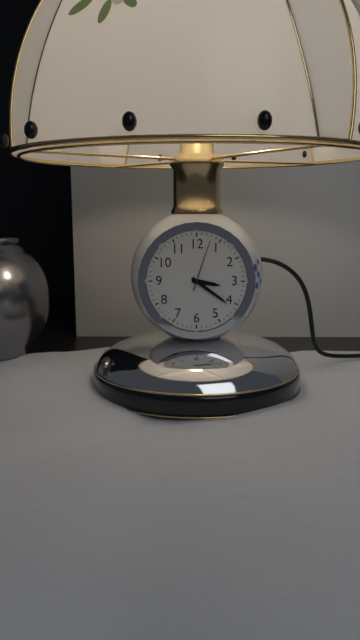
3.21.03
